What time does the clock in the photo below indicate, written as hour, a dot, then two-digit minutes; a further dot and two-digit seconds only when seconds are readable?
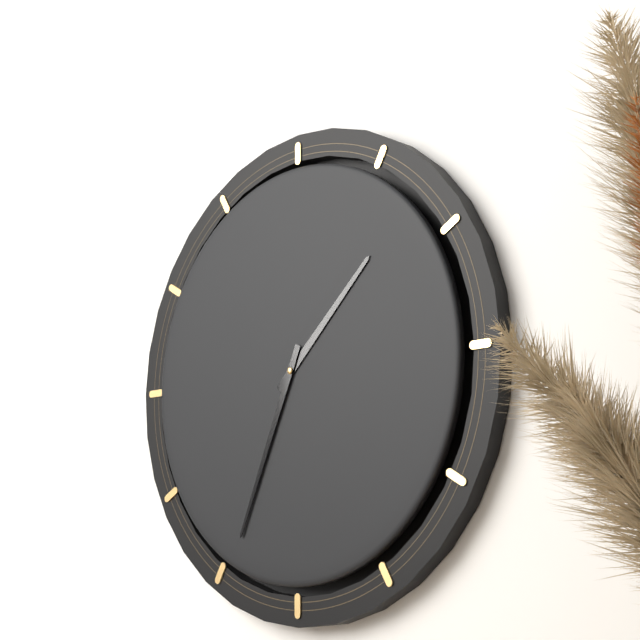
1.34
